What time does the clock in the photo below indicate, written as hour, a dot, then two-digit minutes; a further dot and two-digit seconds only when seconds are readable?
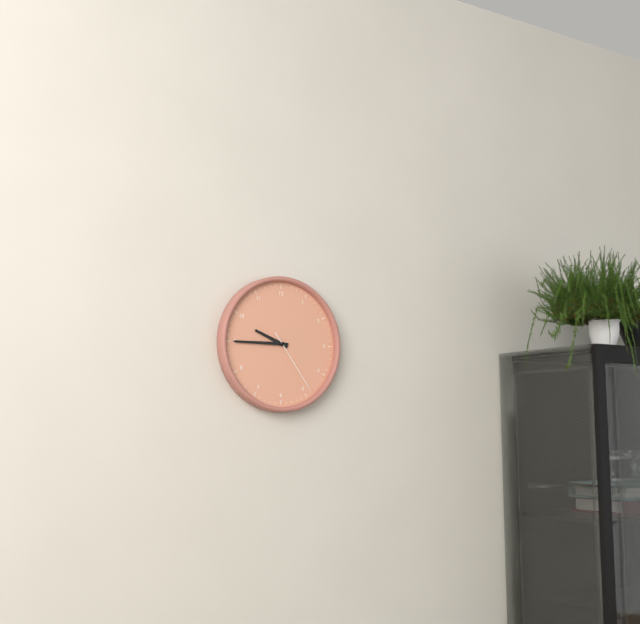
9.45.24
